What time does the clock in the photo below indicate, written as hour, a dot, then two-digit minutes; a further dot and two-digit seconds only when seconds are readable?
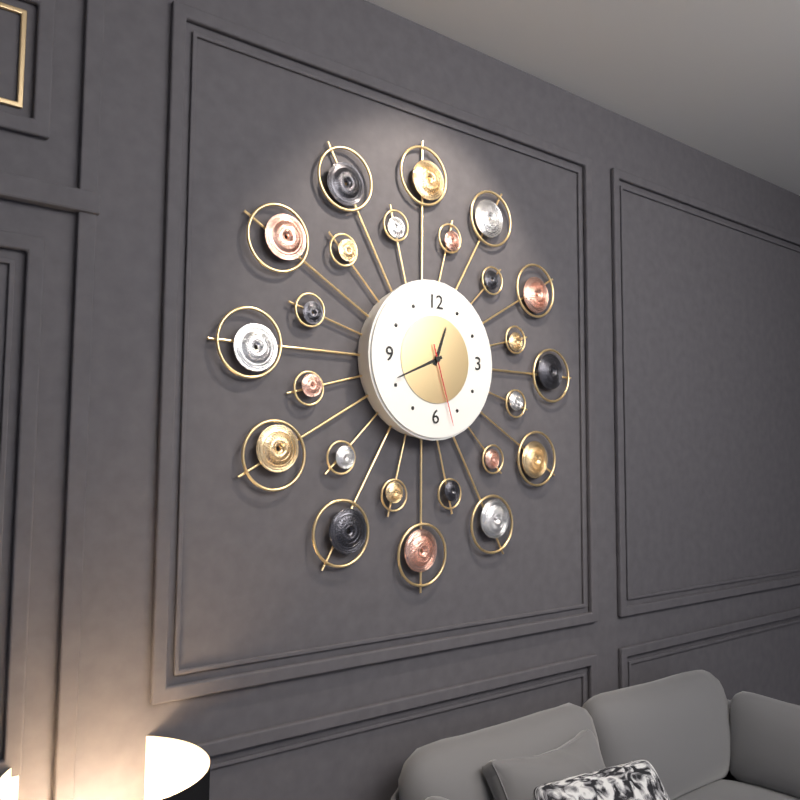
12.41.27
